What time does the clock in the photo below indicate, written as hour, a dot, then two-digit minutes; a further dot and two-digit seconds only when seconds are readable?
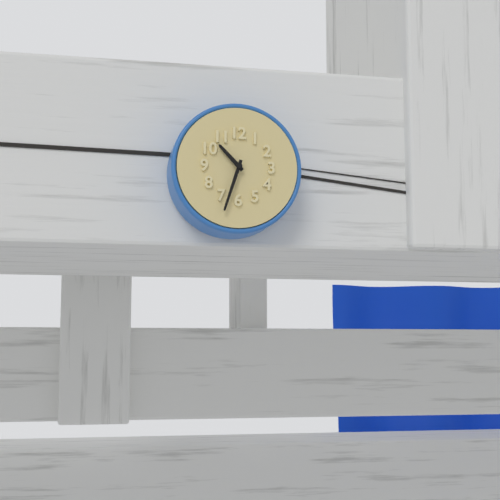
10.33
